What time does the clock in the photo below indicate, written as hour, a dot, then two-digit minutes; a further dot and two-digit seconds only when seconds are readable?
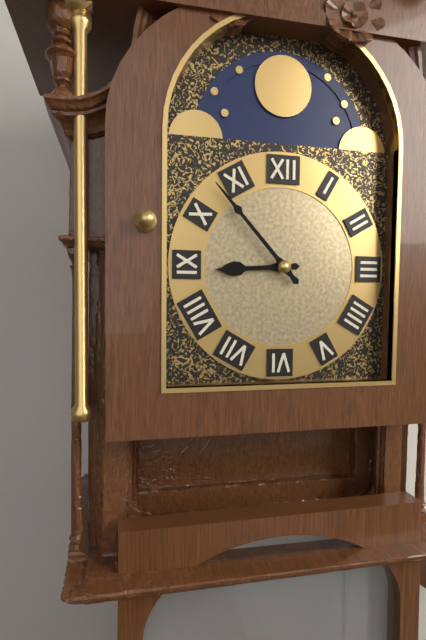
8.53
